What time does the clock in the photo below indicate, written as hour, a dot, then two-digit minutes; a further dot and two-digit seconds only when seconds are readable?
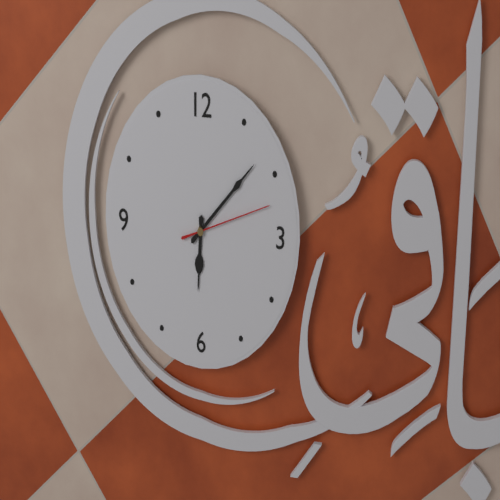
6.08.12
